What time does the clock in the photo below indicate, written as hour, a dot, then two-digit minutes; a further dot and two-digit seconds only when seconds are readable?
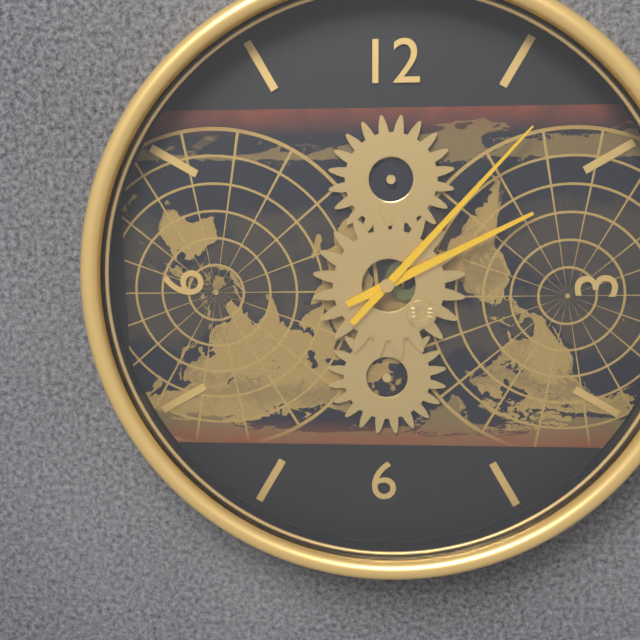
2.07
